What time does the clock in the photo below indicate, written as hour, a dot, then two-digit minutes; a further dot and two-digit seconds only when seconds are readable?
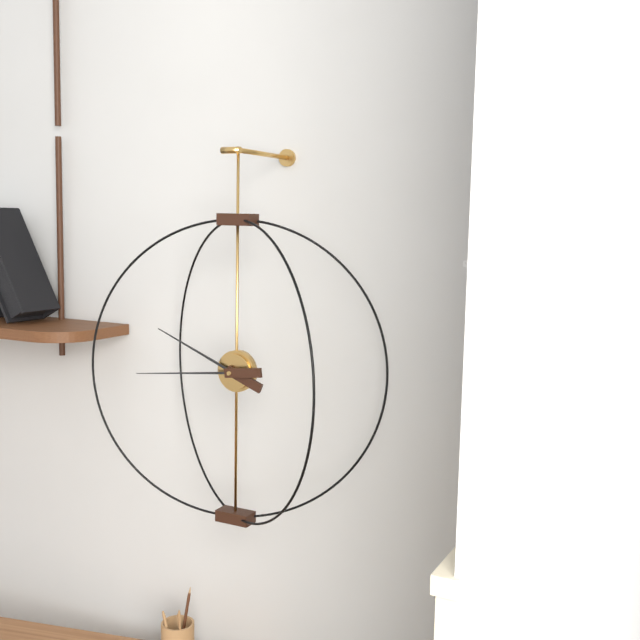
9.44
